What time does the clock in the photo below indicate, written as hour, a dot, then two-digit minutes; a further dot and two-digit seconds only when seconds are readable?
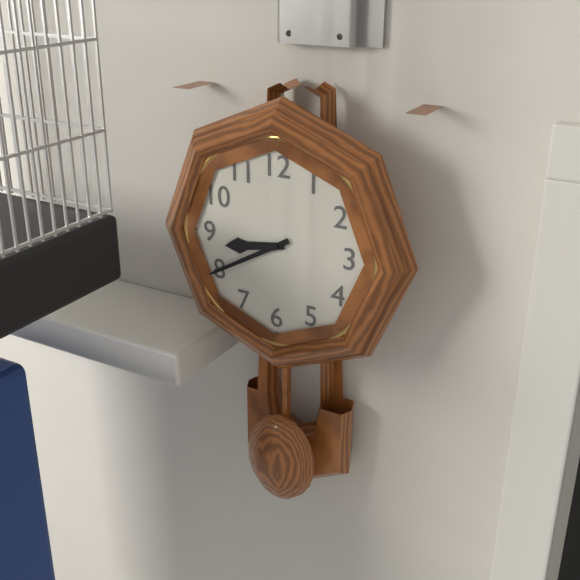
8.40
